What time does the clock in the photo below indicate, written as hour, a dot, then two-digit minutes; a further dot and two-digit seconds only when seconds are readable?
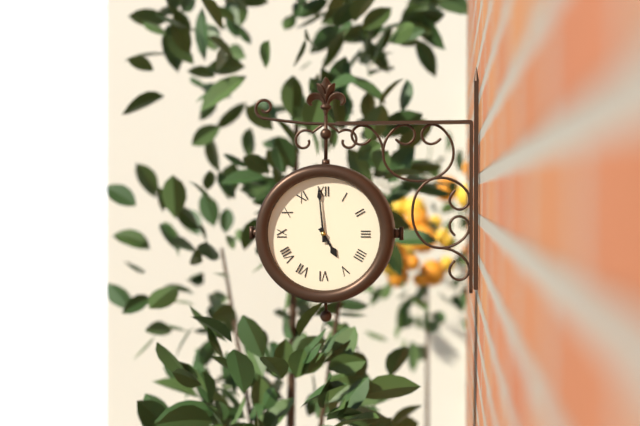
4.59
